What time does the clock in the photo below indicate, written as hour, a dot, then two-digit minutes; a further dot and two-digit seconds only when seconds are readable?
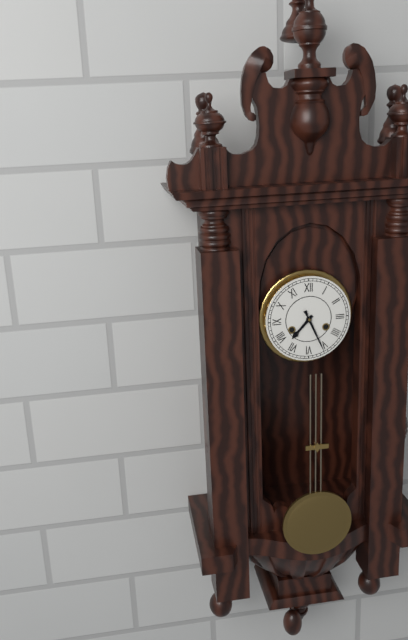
7.26
